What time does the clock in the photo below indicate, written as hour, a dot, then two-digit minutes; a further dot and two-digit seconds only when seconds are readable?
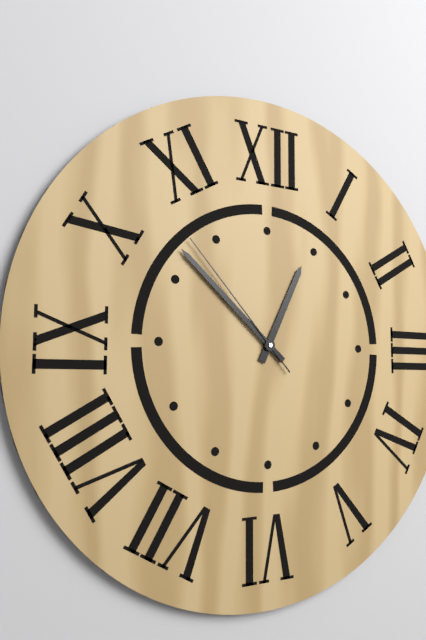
12.52.53
